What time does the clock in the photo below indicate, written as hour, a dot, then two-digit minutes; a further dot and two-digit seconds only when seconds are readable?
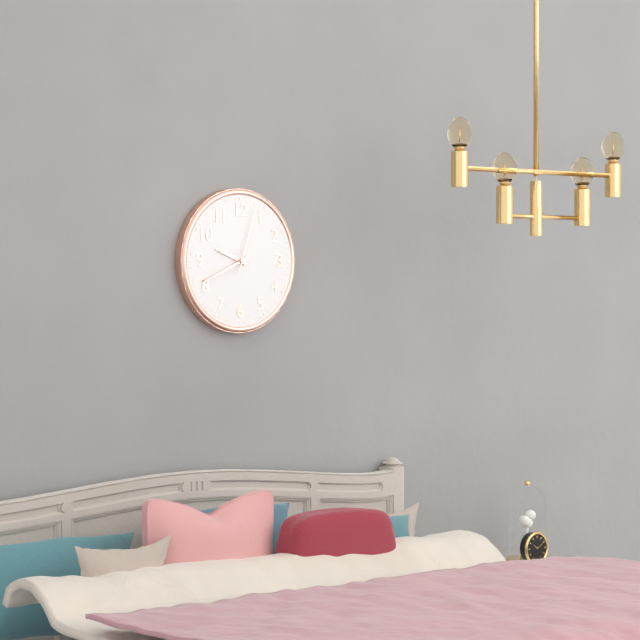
9.41.03
